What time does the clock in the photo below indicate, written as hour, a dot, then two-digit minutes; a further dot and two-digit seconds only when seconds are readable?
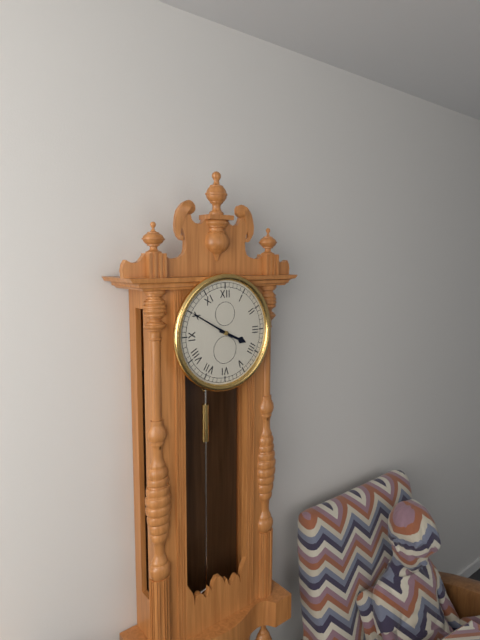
3.50
